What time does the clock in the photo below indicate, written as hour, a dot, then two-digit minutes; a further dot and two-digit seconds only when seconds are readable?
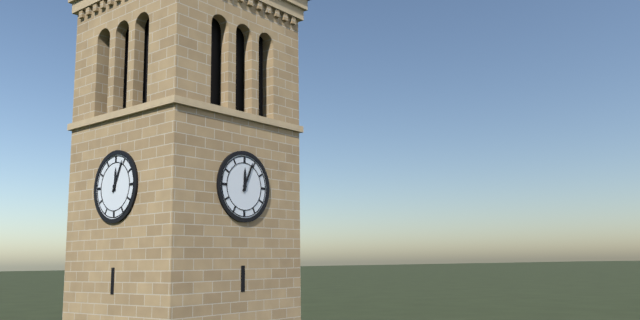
12.04
